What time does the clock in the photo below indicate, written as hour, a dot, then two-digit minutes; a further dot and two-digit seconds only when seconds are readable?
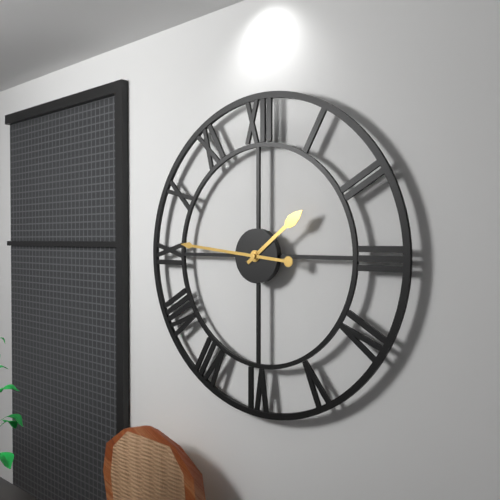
1.46
